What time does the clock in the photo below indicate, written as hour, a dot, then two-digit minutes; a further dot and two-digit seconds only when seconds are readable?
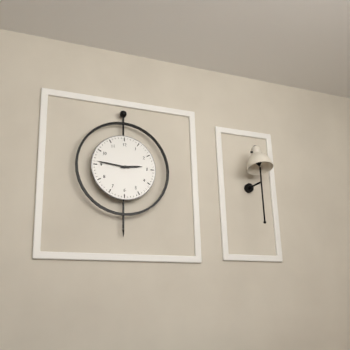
2.46
